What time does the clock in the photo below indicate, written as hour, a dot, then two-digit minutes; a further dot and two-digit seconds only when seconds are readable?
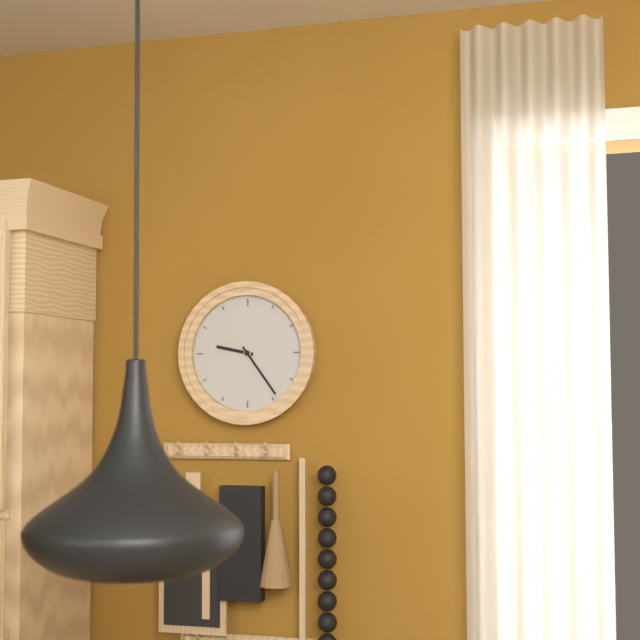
9.24
